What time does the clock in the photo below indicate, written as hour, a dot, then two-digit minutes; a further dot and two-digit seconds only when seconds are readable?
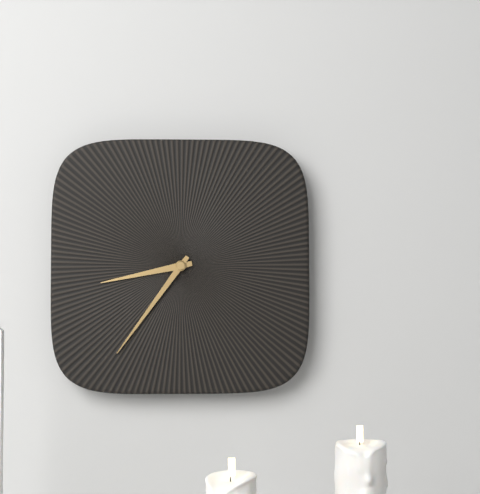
8.36
